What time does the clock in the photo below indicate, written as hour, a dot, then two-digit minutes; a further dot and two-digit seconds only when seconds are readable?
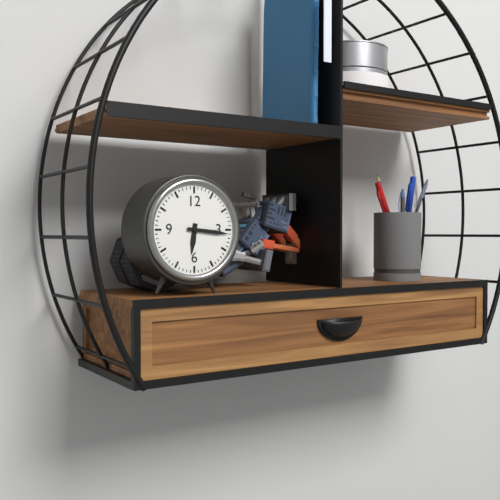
6.16
